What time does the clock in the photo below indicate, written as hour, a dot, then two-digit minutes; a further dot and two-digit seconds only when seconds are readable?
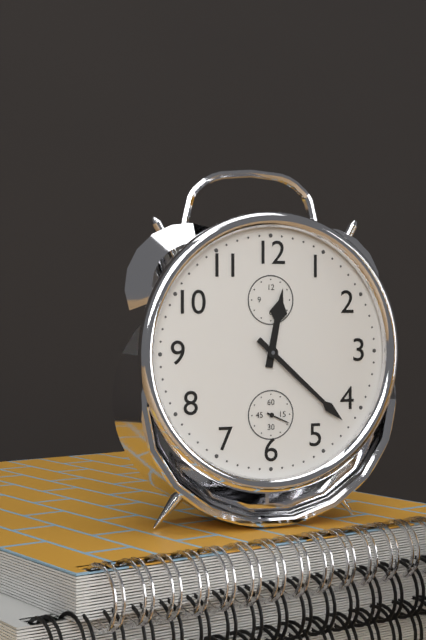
12.22
